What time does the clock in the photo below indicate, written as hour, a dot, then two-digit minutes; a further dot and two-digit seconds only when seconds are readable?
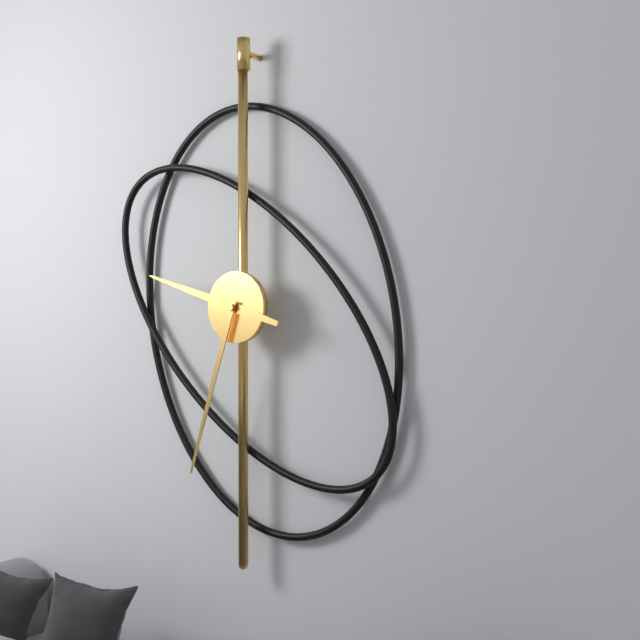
9.33
